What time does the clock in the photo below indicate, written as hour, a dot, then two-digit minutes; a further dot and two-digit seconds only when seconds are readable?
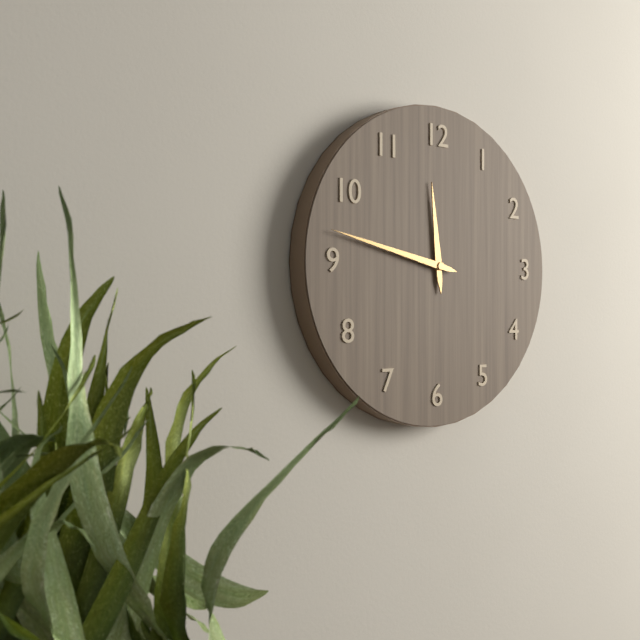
11.47
